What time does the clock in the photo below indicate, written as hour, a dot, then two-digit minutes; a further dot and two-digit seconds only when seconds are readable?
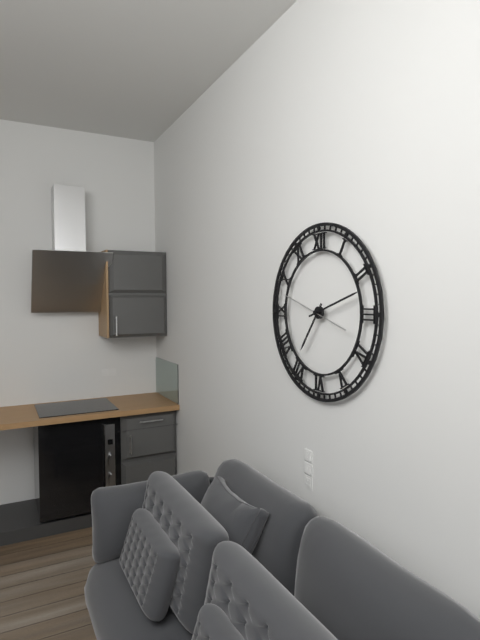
7.12.48
